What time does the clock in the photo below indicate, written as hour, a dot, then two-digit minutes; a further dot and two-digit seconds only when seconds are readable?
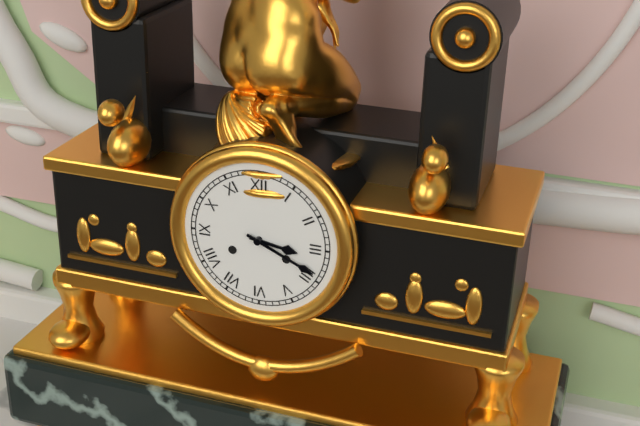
3.19
